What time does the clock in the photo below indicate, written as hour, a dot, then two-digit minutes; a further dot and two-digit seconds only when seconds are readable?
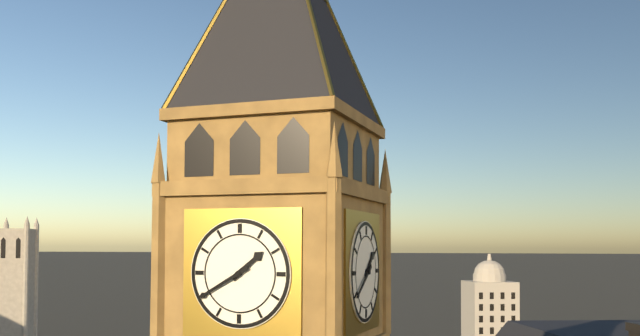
1.40
